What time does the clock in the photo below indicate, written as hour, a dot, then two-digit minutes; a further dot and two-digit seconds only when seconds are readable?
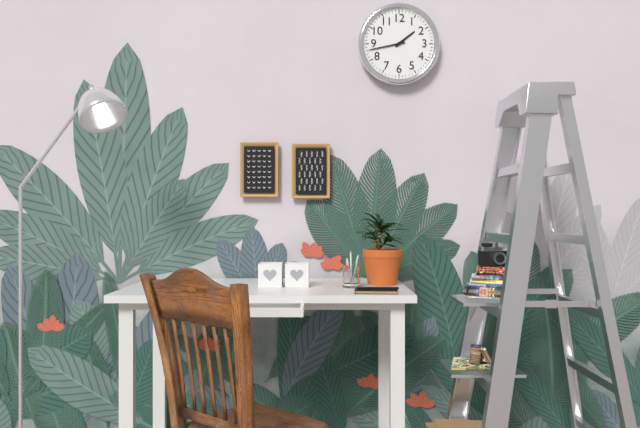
1.43
